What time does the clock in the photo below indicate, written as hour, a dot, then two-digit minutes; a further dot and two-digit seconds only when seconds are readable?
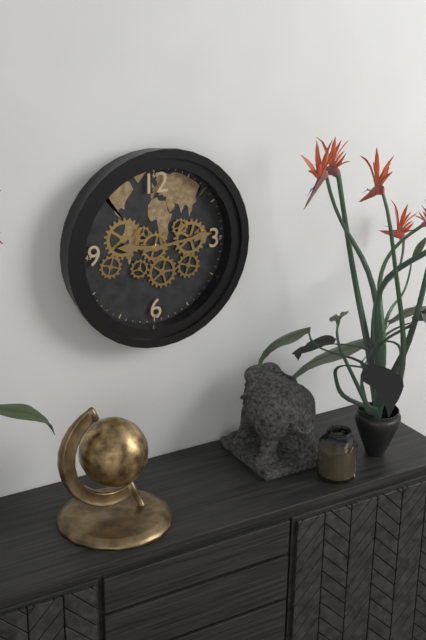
9.14
